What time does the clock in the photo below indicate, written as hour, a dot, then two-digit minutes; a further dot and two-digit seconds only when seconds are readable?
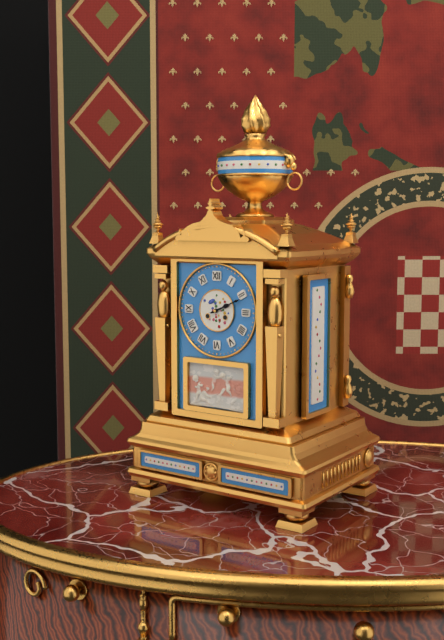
2.11
